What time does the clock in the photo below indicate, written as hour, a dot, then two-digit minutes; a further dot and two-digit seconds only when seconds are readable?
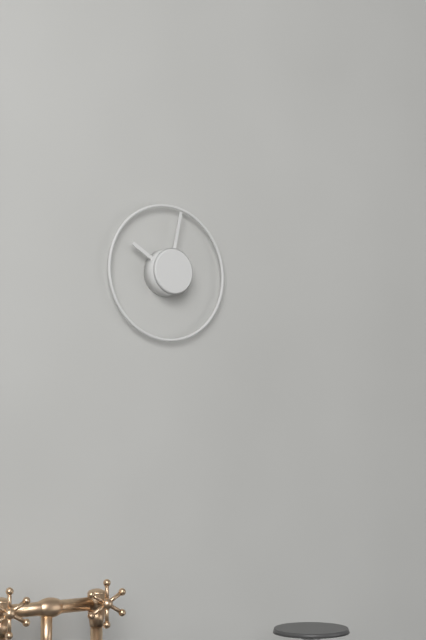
10.02
